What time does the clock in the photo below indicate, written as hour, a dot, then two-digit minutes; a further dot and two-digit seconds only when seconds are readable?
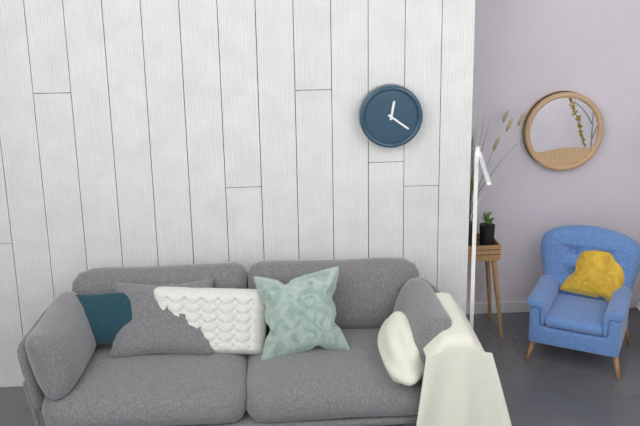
12.21
